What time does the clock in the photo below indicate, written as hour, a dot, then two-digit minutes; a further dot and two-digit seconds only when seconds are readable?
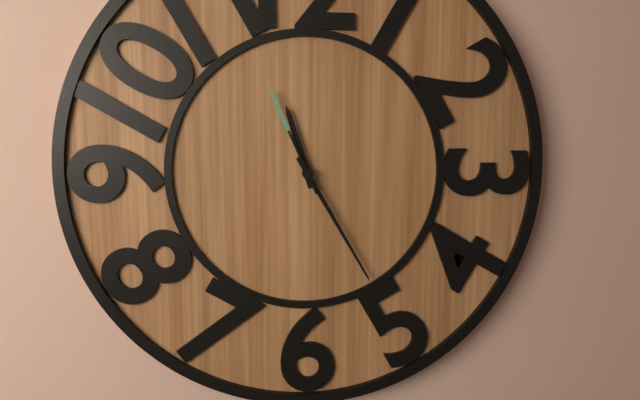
11.25.56
